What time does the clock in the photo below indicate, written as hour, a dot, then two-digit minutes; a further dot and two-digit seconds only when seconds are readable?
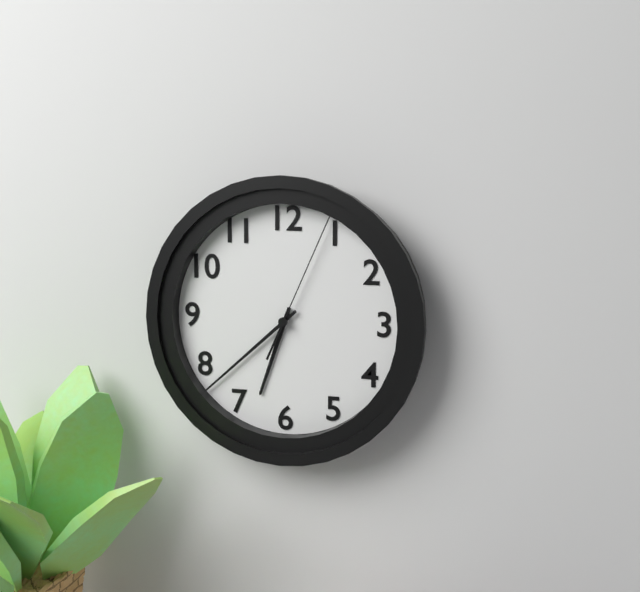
6.38.04
